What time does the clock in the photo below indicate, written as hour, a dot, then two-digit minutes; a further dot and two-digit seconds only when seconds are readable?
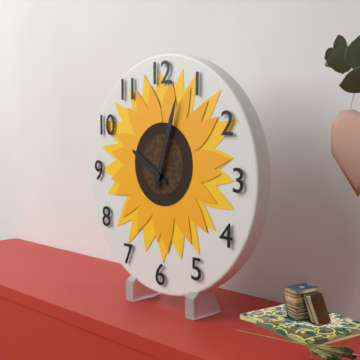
10.03
